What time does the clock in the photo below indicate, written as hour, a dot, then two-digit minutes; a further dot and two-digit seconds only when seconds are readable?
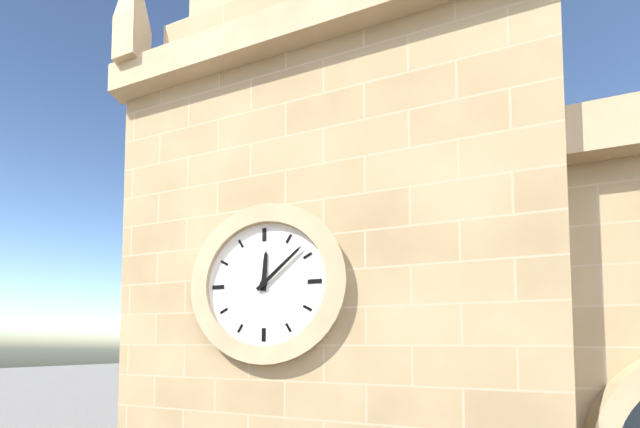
12.08
